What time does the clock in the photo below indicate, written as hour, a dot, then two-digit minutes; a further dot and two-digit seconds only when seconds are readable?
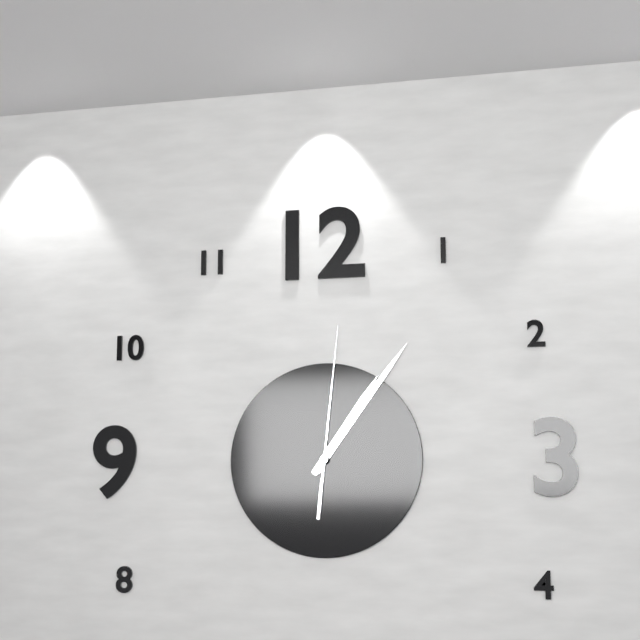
1.06.01
